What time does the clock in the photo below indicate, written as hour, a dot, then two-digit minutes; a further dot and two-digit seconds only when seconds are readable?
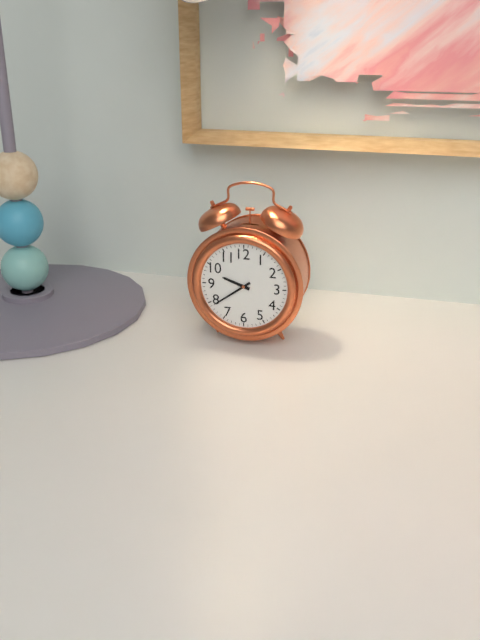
9.39
